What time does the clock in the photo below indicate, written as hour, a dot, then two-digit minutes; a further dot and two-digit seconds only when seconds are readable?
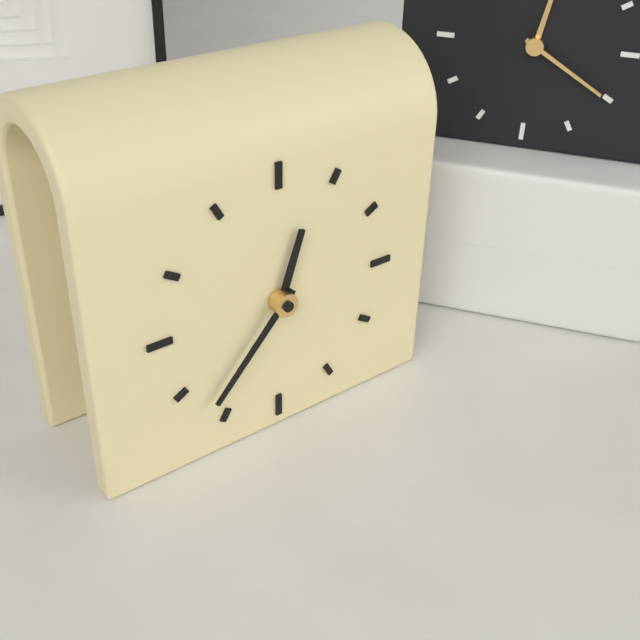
12.37
